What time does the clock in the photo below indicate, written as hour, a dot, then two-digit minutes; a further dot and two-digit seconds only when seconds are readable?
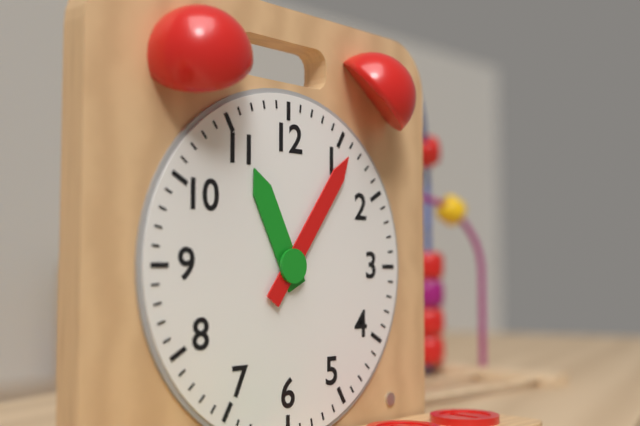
11.06
